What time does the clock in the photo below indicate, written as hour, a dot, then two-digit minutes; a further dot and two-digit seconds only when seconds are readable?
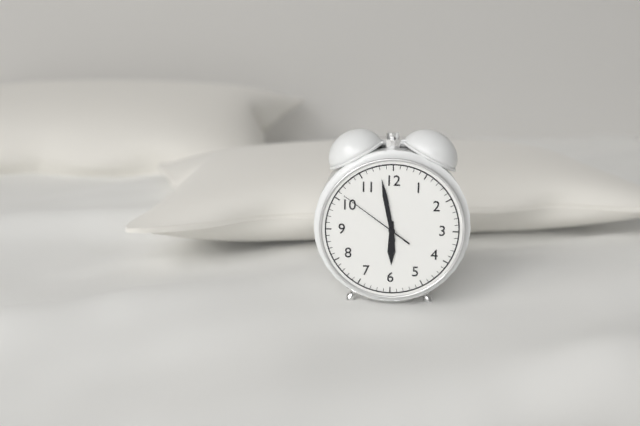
5.58.51
